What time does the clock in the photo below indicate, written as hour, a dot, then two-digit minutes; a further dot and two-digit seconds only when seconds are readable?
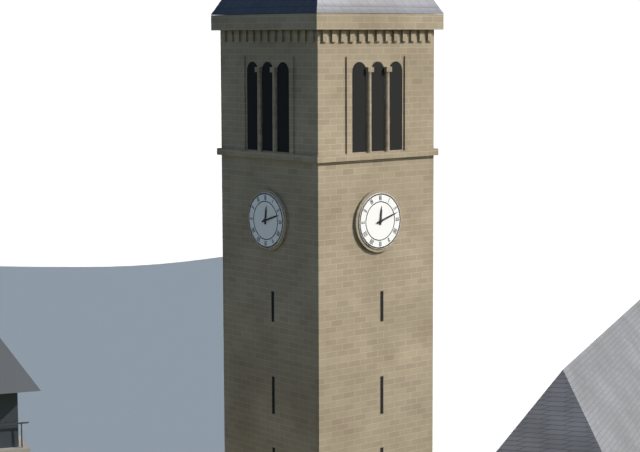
12.12
